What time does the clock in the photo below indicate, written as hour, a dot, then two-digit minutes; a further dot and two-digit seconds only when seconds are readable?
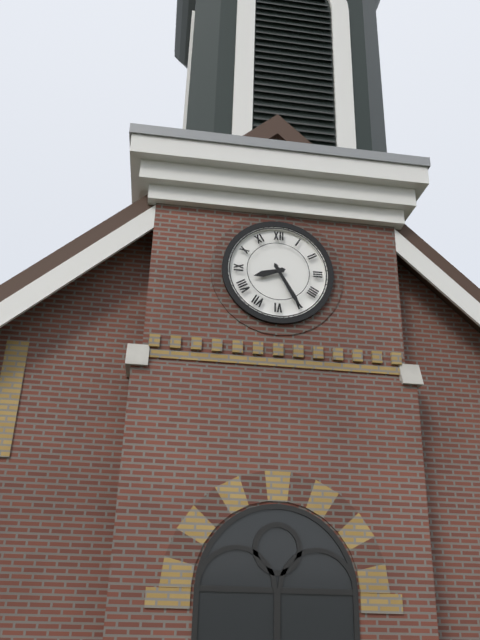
8.25
